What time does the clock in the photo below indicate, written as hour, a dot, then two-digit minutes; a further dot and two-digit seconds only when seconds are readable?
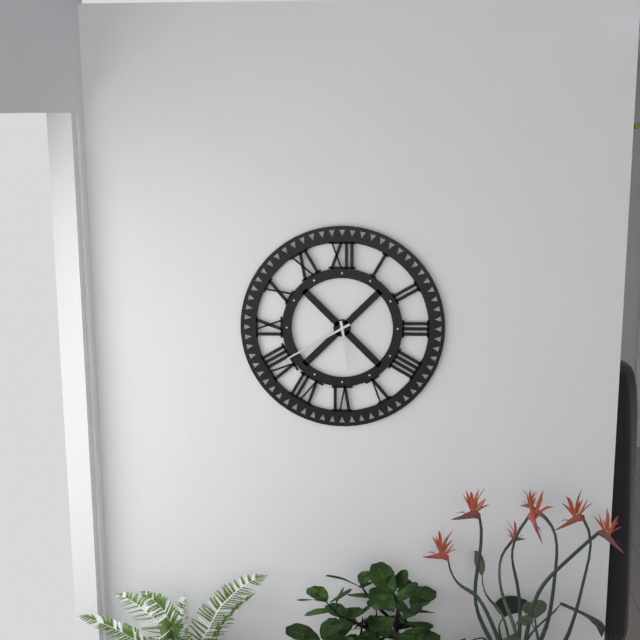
5.40
